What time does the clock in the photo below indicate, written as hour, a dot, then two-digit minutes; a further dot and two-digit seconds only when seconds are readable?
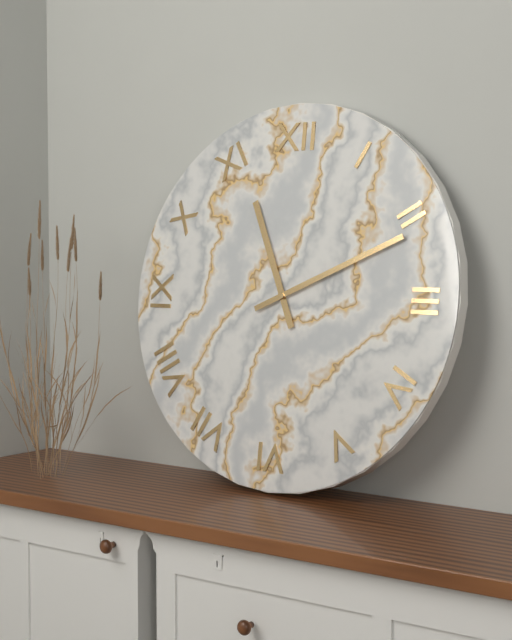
11.11
